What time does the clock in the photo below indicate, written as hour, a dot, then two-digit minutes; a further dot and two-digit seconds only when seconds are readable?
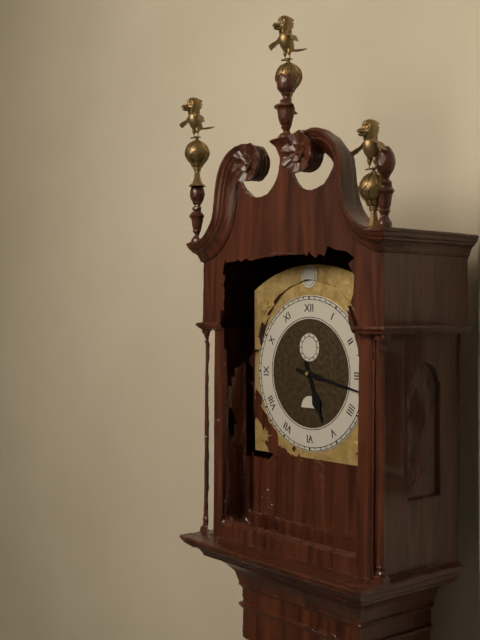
5.17
